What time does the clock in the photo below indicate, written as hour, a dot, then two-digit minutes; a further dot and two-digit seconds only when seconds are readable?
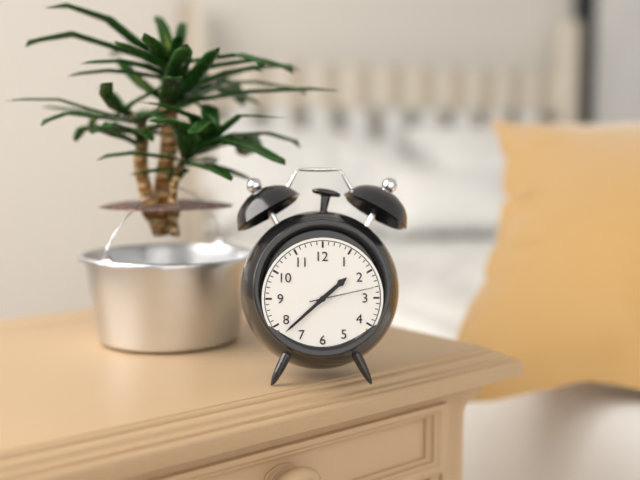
1.38.13
